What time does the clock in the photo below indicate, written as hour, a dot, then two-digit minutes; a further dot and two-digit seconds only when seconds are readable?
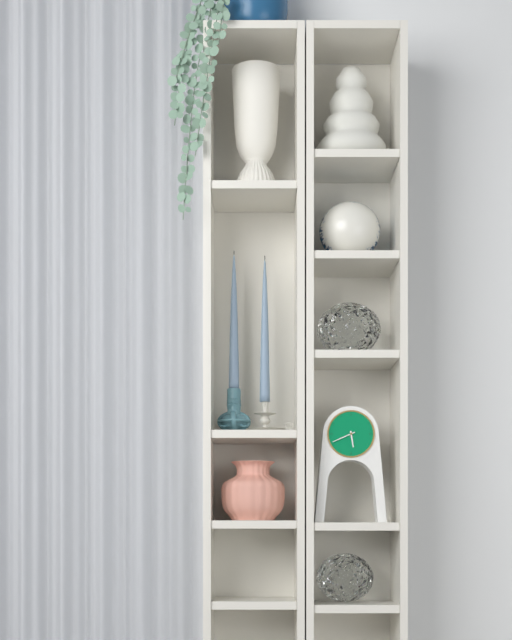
5.41
